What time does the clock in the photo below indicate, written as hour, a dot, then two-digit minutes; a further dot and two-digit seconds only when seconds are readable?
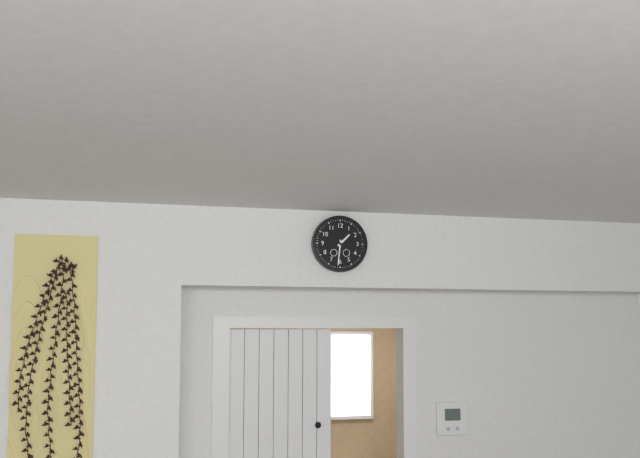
1.31
